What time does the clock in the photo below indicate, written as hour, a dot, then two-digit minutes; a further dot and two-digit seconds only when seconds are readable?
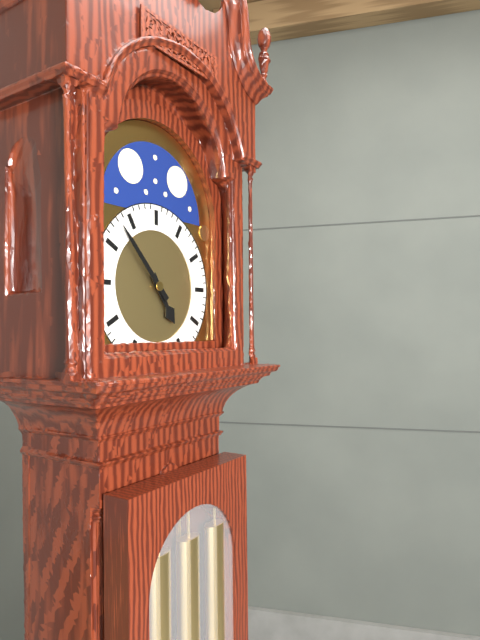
4.53
